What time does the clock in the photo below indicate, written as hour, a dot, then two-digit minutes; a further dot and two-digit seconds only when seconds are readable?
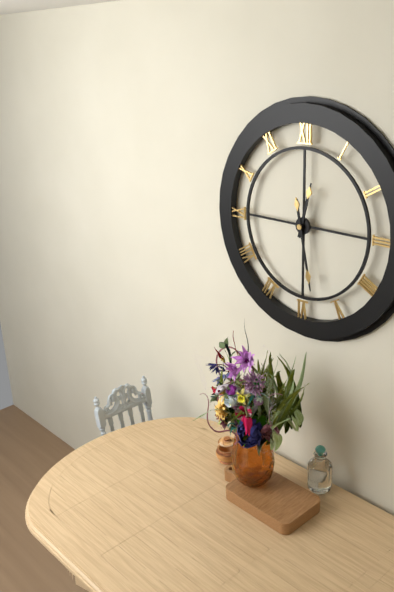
12.28
